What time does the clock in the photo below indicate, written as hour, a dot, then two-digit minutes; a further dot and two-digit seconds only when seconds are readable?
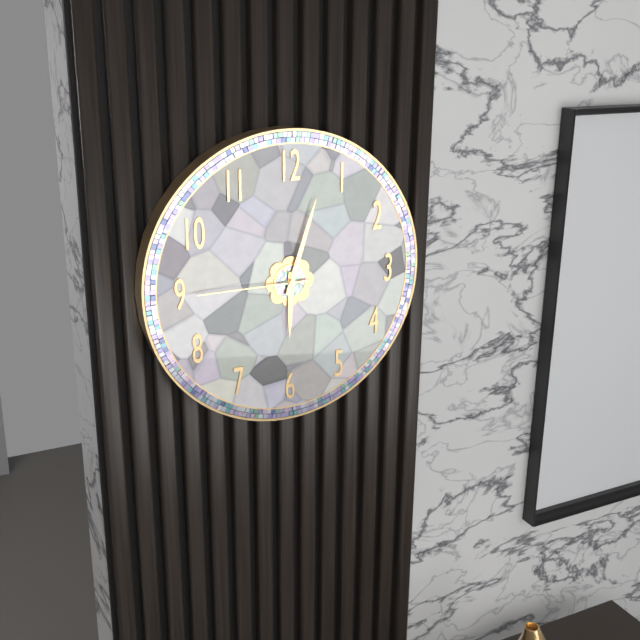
6.03.45
